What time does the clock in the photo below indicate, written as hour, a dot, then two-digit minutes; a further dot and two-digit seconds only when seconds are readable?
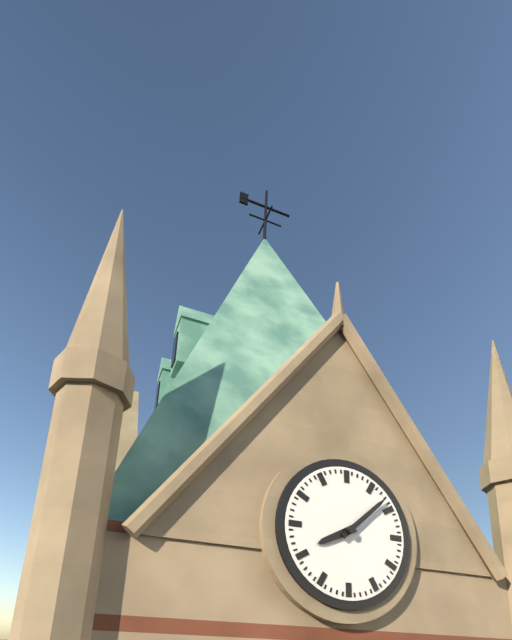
8.08
